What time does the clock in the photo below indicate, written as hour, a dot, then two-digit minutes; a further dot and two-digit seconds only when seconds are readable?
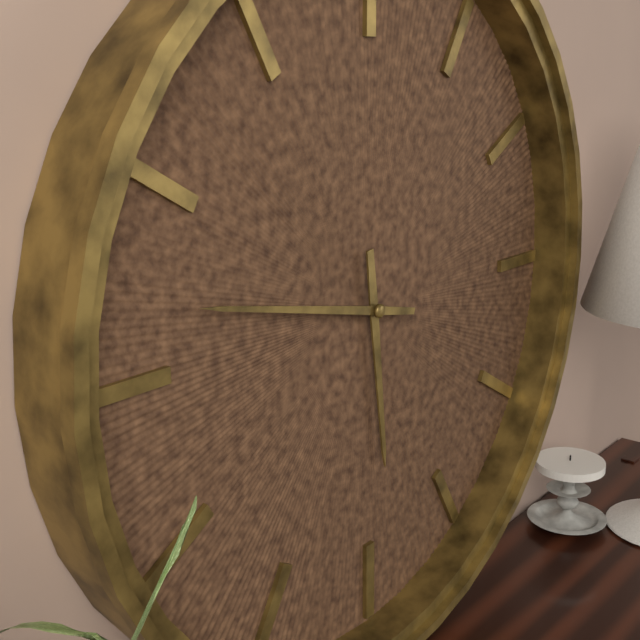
5.47
